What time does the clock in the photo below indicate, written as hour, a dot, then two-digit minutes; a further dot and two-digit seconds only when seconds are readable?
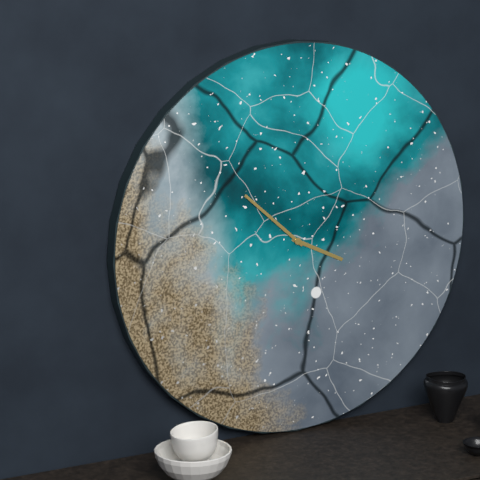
3.52
